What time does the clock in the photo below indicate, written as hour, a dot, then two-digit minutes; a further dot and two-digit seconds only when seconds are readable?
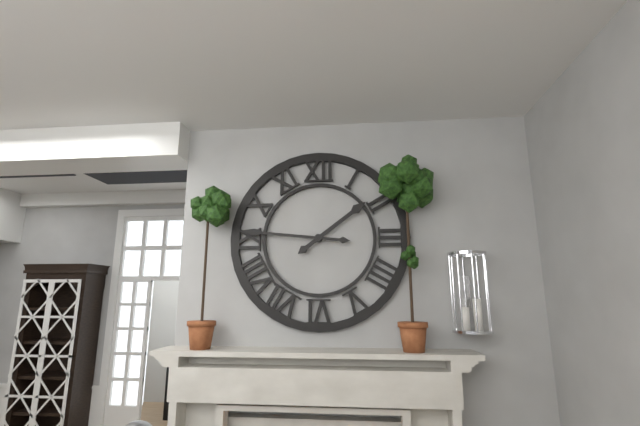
1.46
